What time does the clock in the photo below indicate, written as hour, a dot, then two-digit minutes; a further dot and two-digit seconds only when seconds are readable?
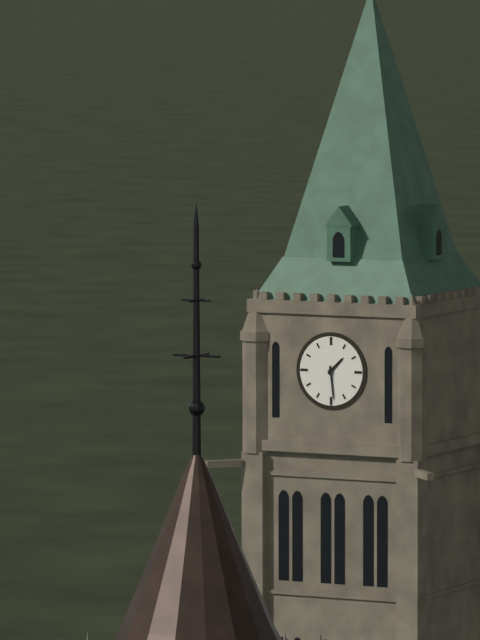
1.29
